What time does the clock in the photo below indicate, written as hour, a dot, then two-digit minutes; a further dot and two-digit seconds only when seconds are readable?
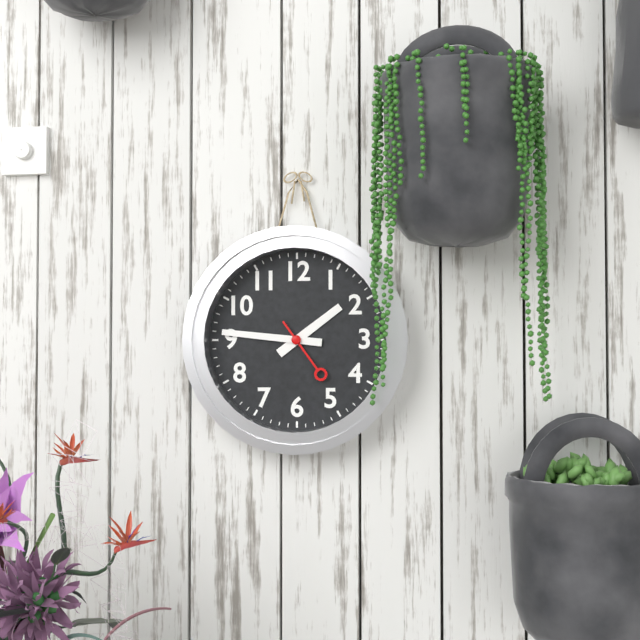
1.46.24
